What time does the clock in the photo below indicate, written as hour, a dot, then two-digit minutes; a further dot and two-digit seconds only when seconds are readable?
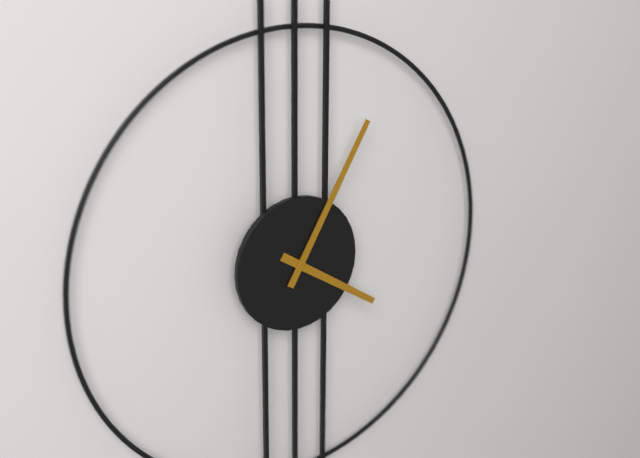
4.05
